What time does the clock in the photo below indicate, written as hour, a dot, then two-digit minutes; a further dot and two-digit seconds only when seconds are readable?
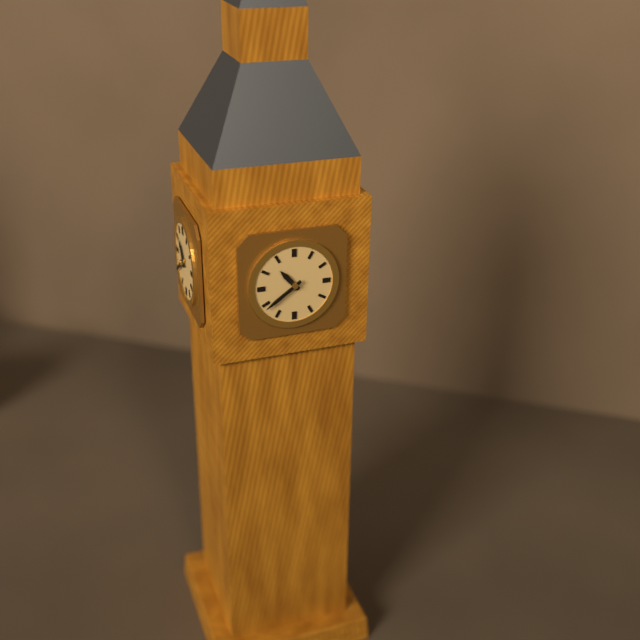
10.39
